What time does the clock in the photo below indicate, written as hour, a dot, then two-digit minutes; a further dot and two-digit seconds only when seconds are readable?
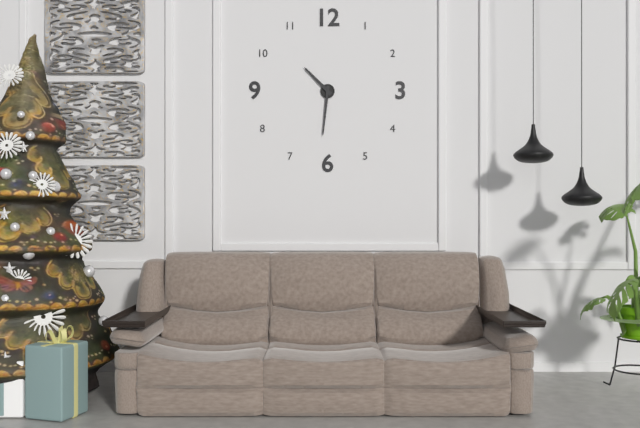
10.31
